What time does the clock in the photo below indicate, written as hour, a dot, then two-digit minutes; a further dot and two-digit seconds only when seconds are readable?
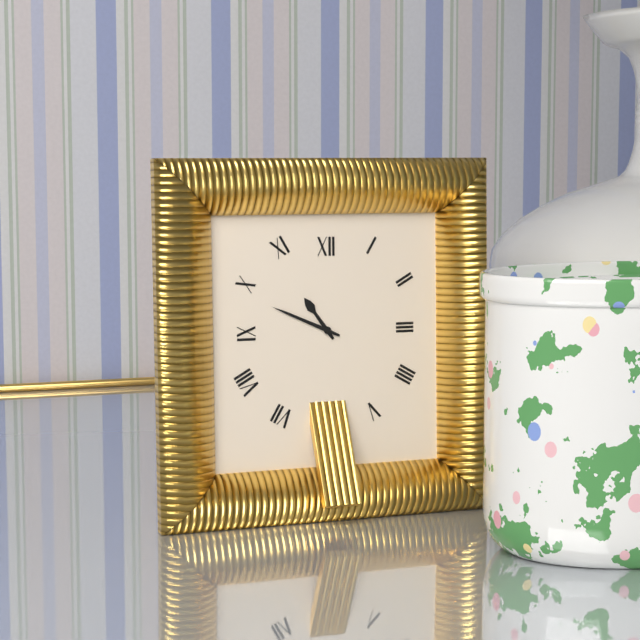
10.49
